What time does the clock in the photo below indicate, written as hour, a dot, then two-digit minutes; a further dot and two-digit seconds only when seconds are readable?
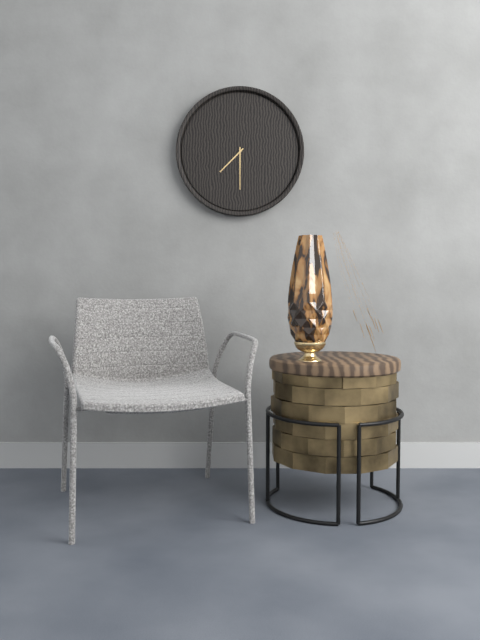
7.30
